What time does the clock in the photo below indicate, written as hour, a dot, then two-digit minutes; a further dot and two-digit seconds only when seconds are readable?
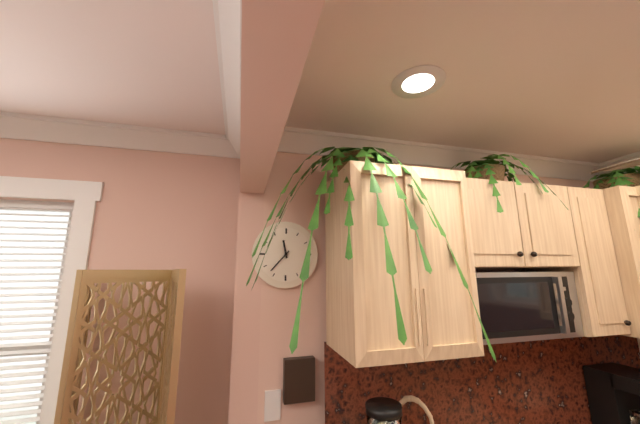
11.37
